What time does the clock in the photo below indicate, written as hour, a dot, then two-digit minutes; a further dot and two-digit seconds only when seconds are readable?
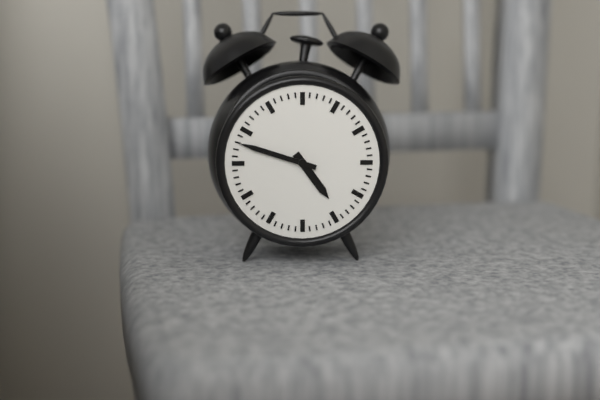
4.48
